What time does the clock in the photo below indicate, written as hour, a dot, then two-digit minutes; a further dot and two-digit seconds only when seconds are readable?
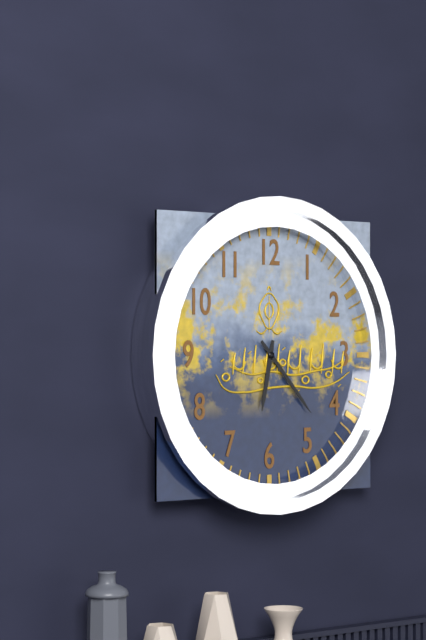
6.23
